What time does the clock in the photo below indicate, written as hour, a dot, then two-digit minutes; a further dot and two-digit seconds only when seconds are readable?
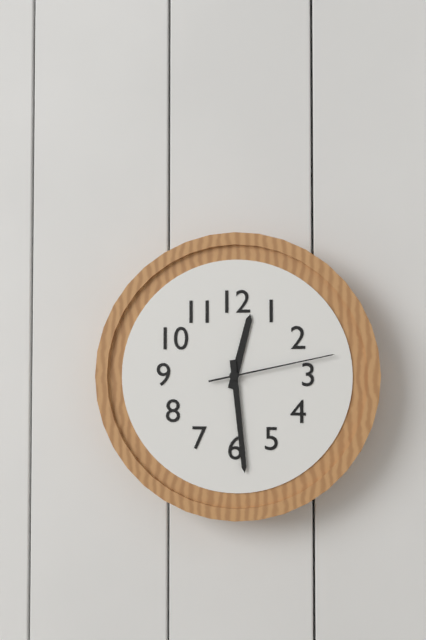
12.29.13
